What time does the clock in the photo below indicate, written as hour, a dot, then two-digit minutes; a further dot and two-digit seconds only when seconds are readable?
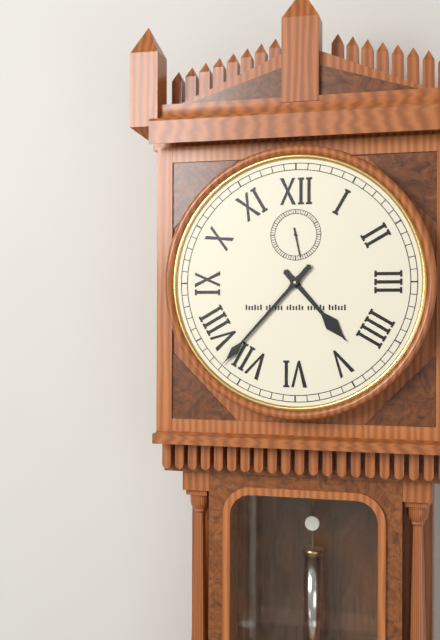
4.37
